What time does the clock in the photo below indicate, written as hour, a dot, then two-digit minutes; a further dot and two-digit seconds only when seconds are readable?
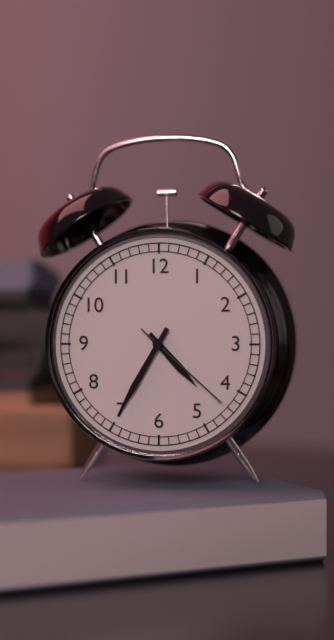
4.35.22
